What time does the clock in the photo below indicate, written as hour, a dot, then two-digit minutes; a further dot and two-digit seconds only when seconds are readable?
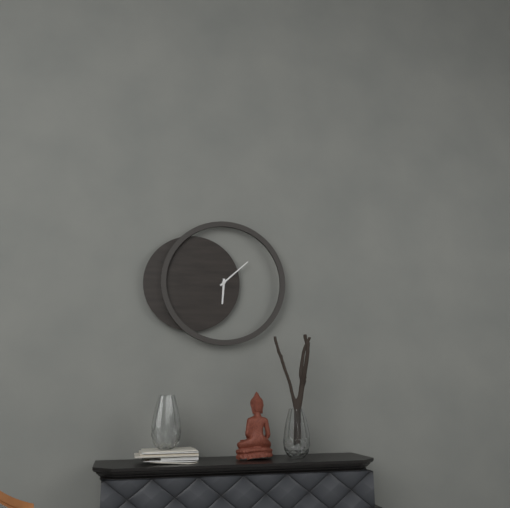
6.08
